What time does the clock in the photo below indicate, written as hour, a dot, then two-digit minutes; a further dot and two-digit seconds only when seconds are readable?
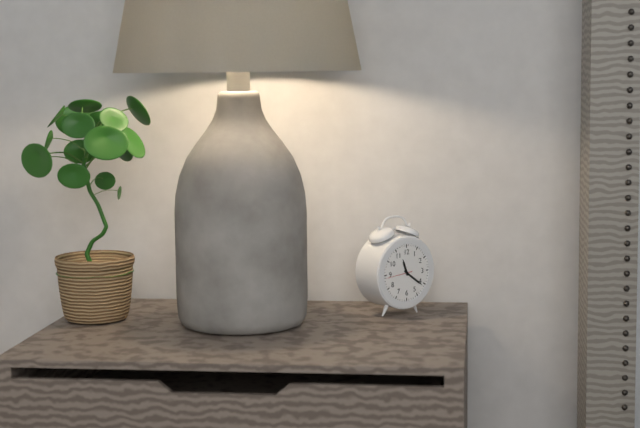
11.21
